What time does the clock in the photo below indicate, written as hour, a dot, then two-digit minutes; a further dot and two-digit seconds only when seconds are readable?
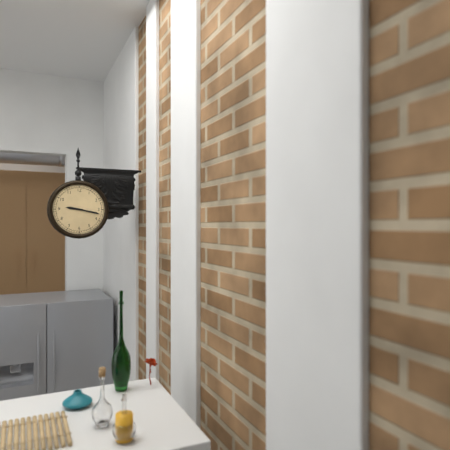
9.17
